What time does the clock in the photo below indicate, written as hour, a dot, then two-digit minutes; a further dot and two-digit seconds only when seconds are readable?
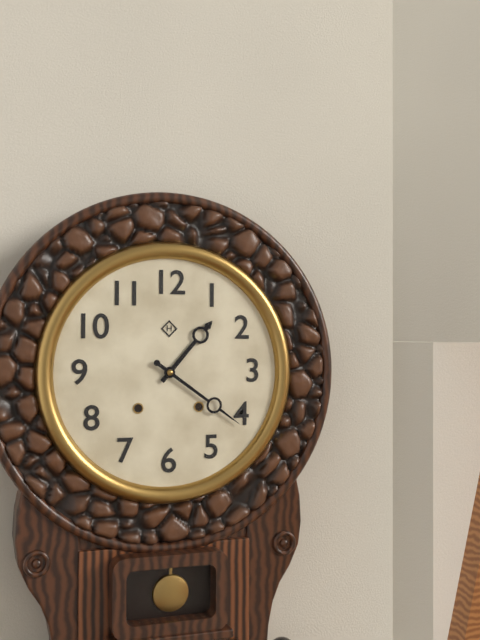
1.21
